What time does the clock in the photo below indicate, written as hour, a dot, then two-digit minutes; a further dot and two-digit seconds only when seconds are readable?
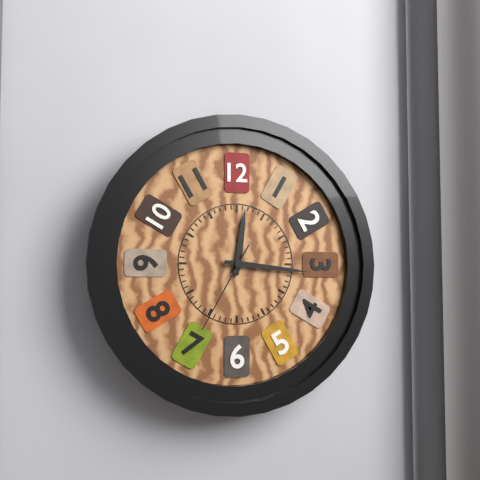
12.16.35
